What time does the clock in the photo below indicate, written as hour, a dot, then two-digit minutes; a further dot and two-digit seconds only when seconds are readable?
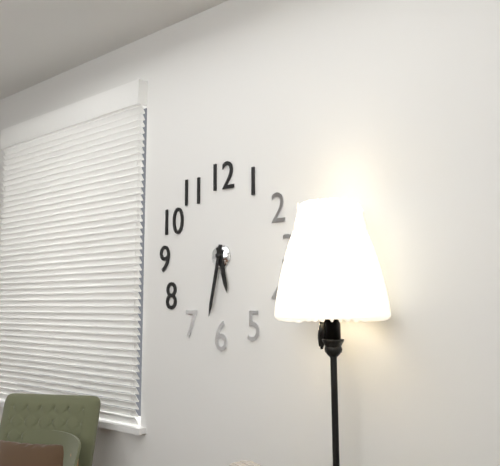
5.32
